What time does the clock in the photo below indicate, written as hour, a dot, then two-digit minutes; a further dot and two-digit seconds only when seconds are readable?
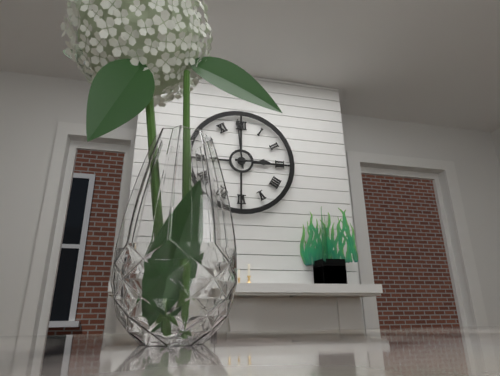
2.59
